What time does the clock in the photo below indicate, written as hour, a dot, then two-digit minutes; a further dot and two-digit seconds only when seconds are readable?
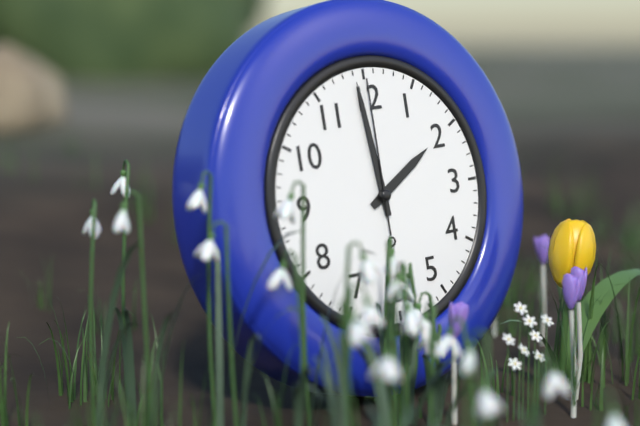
1.59.00
